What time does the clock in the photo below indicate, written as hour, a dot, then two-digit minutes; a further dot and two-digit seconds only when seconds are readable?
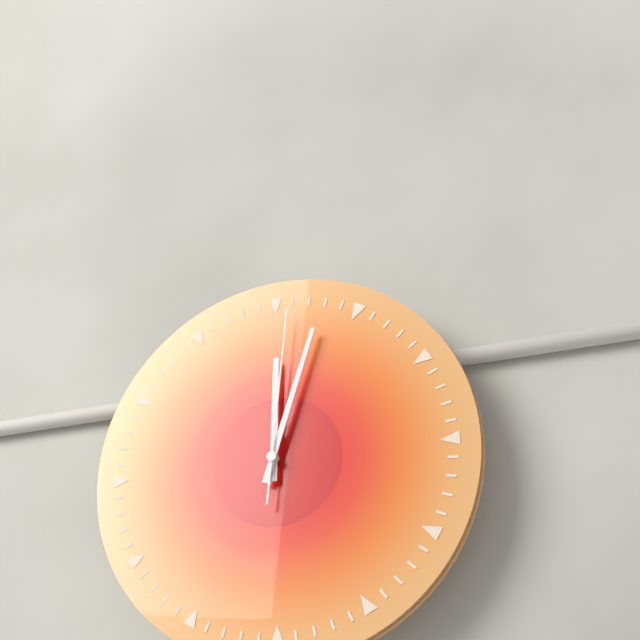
12.03.01
